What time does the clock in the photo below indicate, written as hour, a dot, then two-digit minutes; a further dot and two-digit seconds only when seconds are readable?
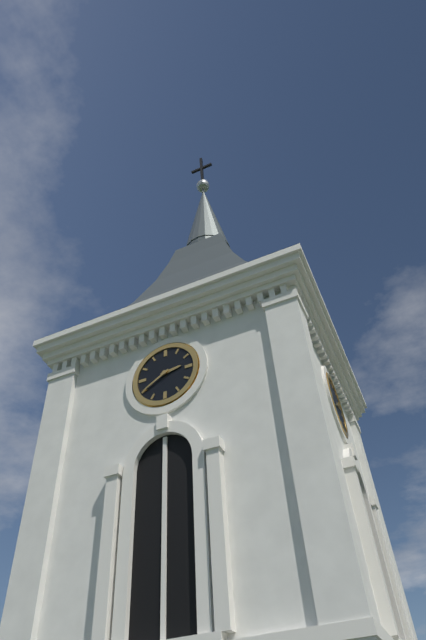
2.40
